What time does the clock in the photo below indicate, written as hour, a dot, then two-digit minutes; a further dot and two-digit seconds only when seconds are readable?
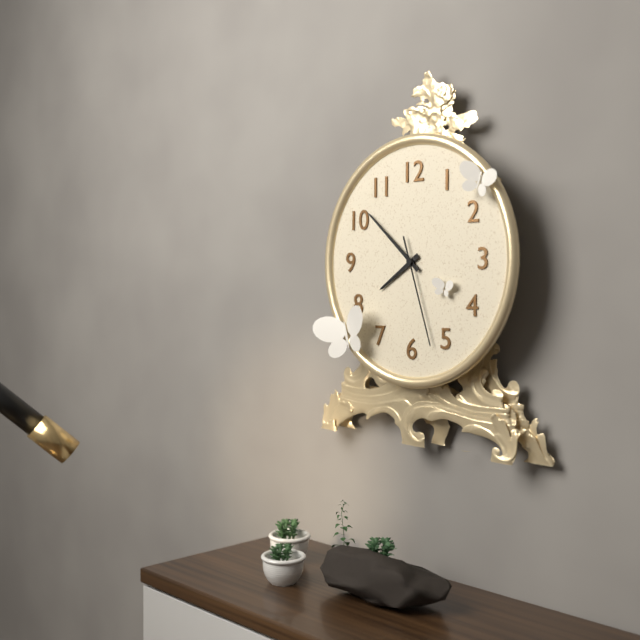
7.52.27
